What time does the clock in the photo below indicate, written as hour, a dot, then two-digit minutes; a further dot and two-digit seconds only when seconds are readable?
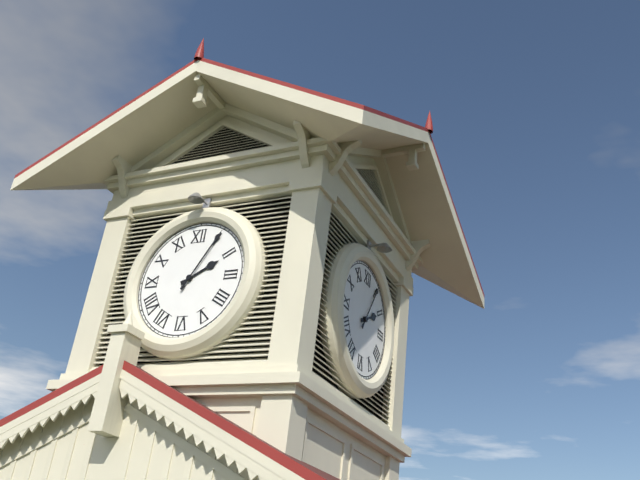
2.05
